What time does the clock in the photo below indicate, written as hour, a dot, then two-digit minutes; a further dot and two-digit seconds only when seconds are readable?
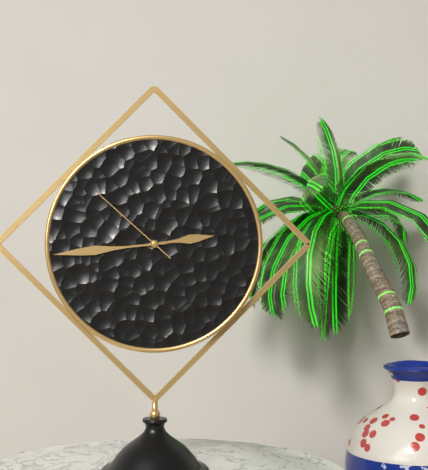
2.44.52
